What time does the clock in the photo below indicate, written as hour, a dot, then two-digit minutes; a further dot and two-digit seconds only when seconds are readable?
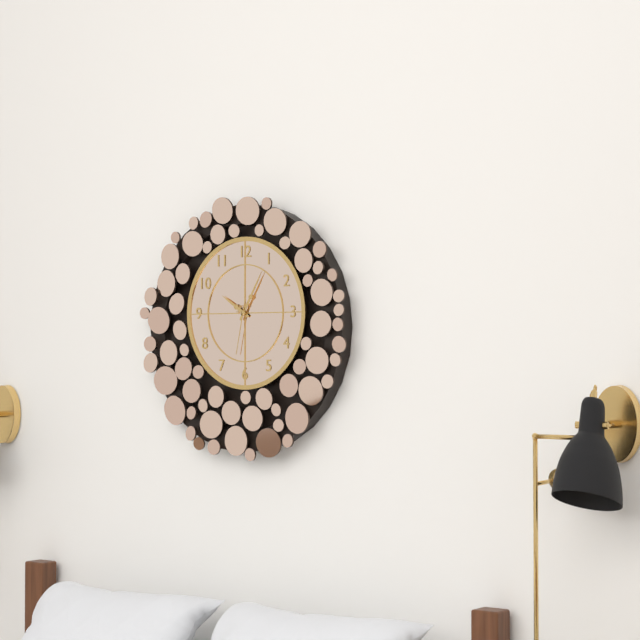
10.05.32
